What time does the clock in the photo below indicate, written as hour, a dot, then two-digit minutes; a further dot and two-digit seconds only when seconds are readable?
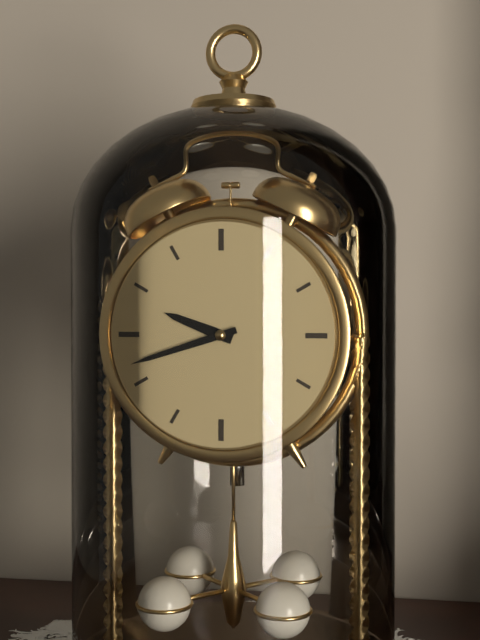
9.42
